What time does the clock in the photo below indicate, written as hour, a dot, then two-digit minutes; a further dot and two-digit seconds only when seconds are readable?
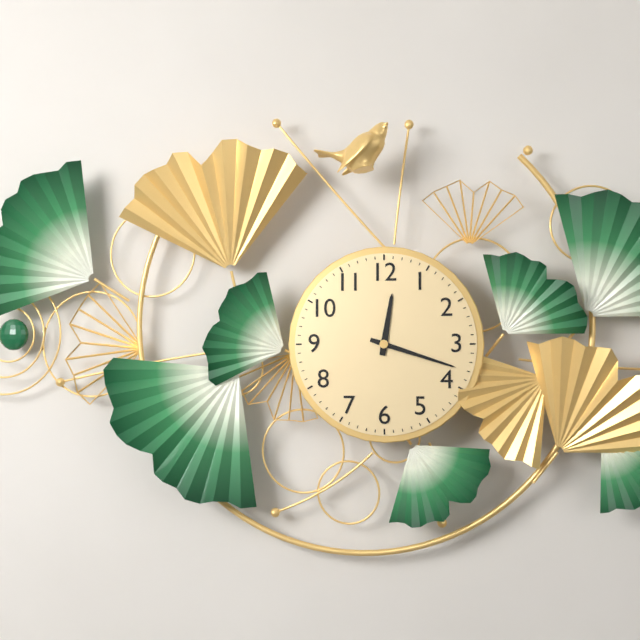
12.18
